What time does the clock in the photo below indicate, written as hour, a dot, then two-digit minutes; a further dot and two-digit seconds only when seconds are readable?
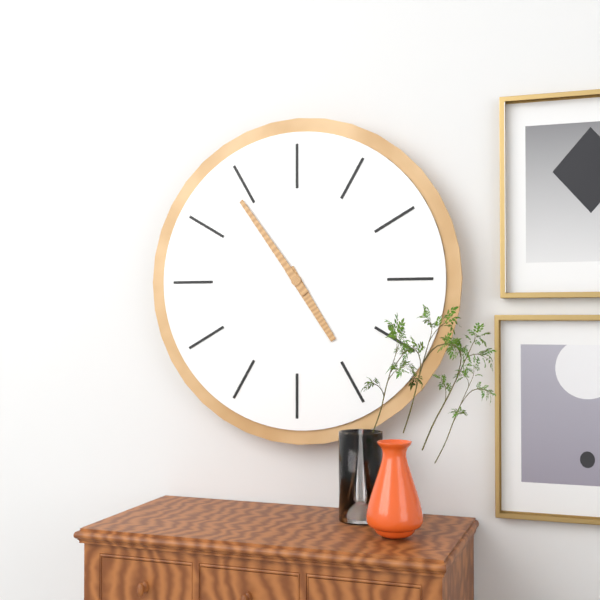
4.54
